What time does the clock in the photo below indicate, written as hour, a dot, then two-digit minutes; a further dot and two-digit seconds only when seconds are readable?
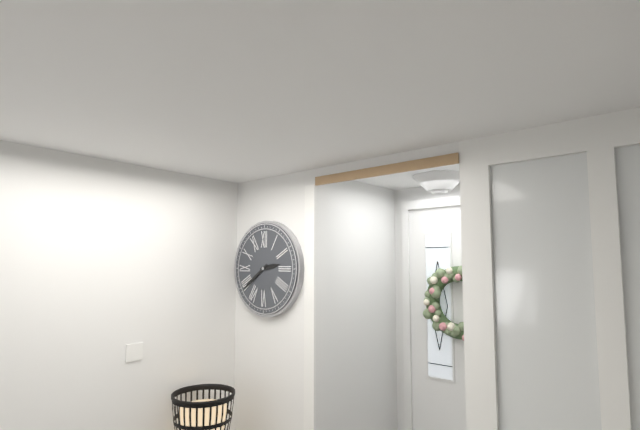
2.39
